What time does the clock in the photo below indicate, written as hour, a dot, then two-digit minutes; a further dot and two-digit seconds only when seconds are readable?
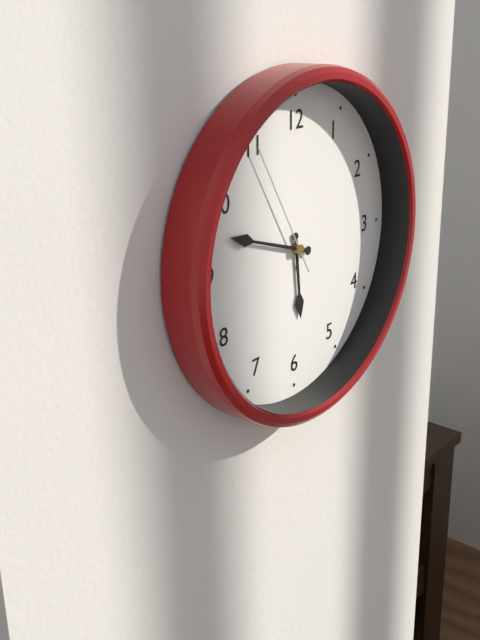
5.48.55
